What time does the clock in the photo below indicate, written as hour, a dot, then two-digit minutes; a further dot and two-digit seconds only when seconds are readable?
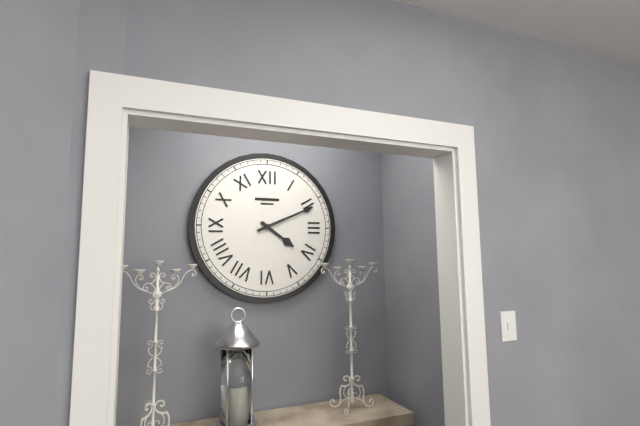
4.11
